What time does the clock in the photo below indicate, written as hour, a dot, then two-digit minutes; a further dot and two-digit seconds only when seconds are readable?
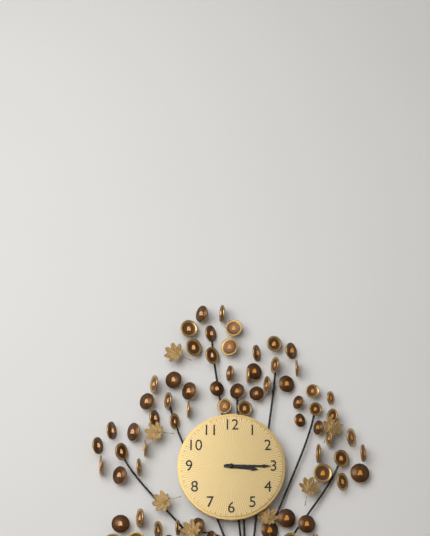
3.15
